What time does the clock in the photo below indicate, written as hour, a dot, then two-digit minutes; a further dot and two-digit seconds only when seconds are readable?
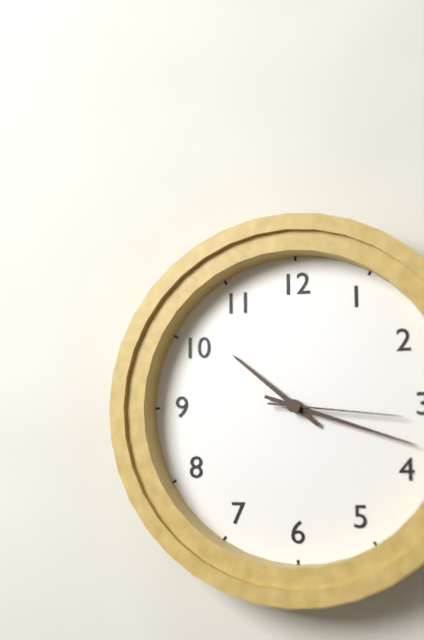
10.18.16
